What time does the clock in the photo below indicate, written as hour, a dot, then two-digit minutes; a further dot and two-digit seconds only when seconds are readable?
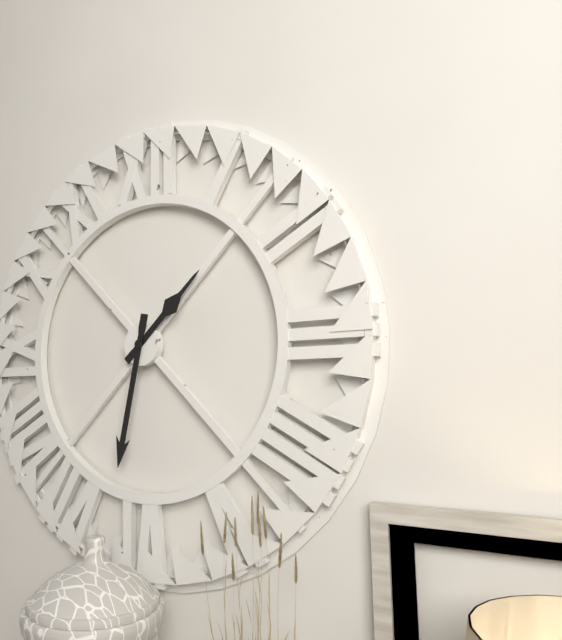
1.32
